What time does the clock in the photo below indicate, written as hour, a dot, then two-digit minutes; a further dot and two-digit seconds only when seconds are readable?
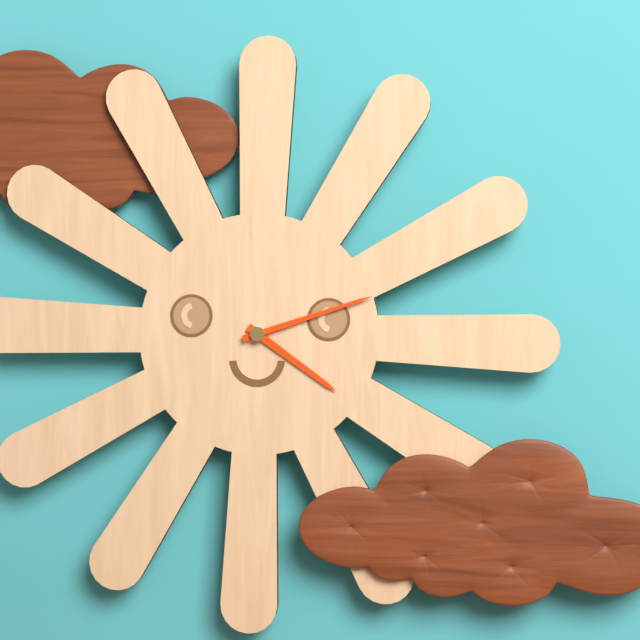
4.12
